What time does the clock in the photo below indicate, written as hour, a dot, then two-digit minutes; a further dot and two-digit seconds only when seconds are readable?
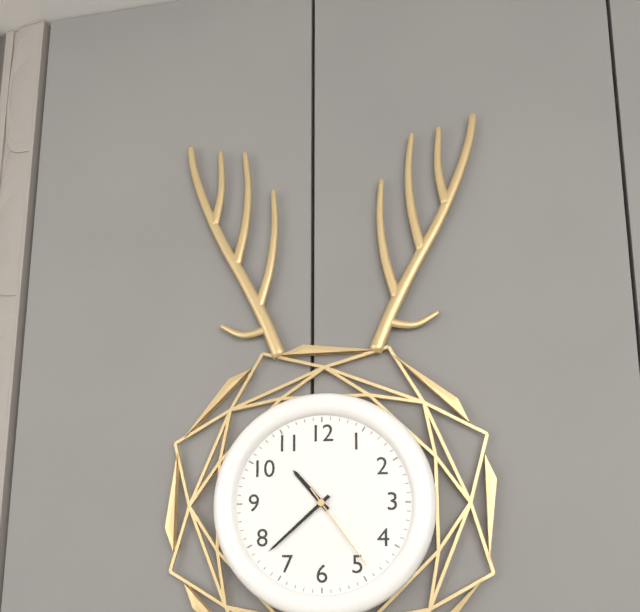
10.38.24
